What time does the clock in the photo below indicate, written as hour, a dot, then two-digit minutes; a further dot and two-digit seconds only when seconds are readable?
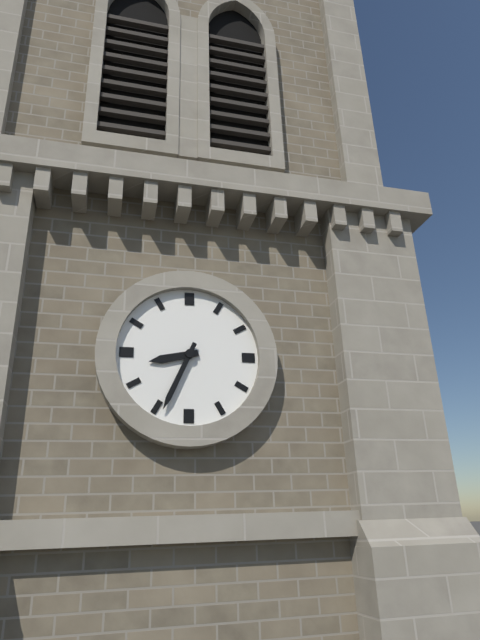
8.34
